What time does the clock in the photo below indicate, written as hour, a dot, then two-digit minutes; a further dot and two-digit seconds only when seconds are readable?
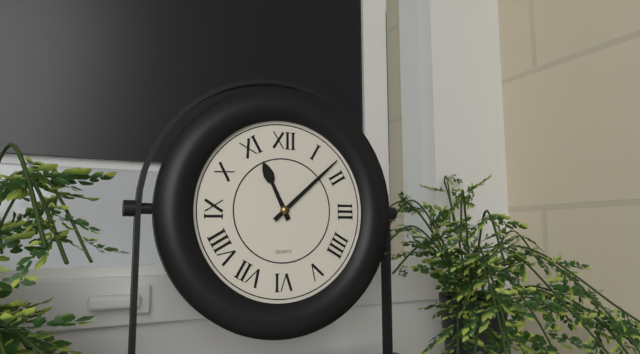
11.08
